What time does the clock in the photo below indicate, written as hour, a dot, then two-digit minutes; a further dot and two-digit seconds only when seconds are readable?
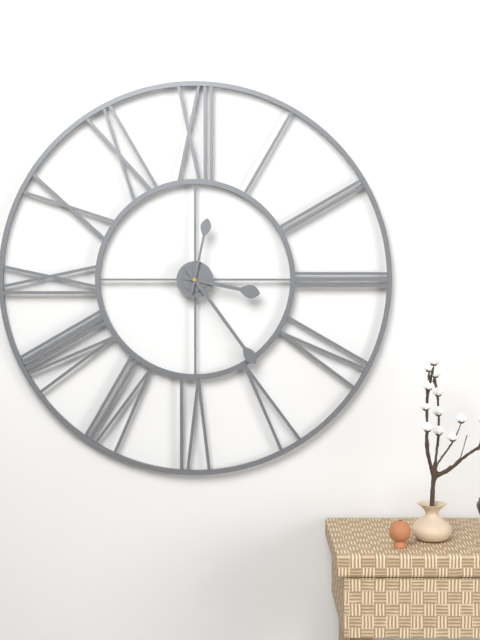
3.24.02
